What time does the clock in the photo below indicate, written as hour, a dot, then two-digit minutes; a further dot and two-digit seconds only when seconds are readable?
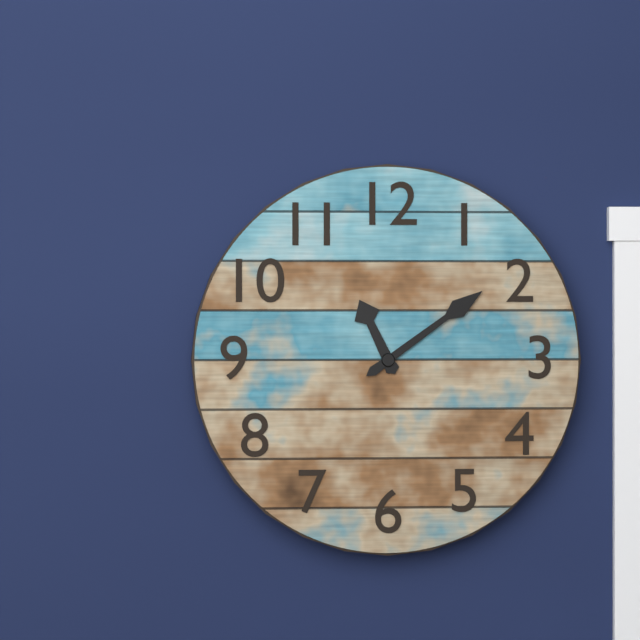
11.09
